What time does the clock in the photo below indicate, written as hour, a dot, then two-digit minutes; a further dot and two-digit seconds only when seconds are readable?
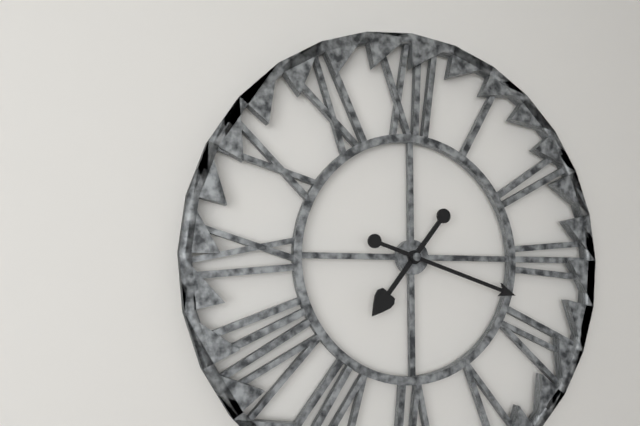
7.18
